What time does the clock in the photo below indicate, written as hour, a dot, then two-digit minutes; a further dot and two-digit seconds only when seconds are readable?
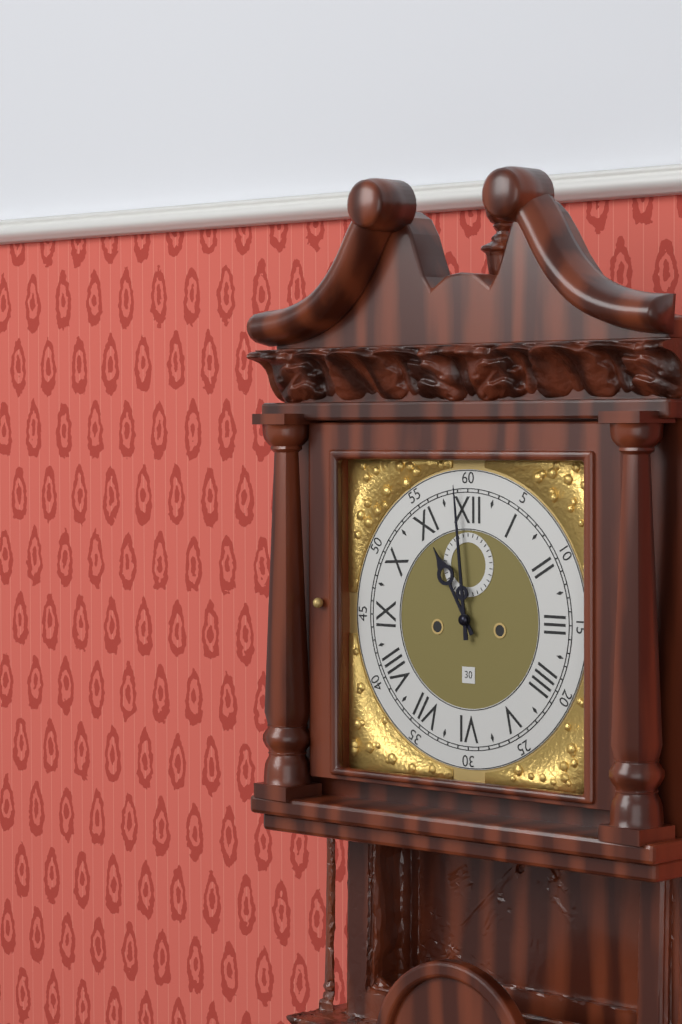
10.59
